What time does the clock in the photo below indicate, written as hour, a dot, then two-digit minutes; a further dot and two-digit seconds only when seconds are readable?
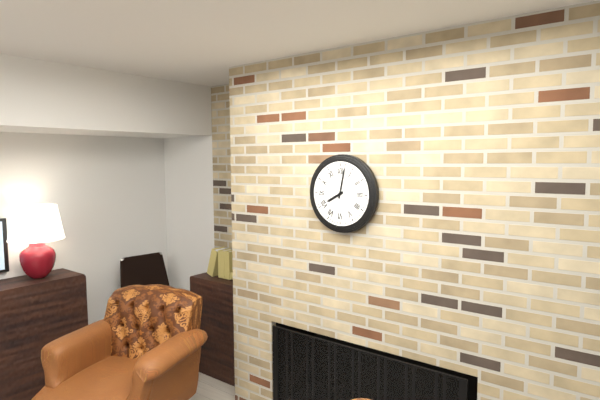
8.02
